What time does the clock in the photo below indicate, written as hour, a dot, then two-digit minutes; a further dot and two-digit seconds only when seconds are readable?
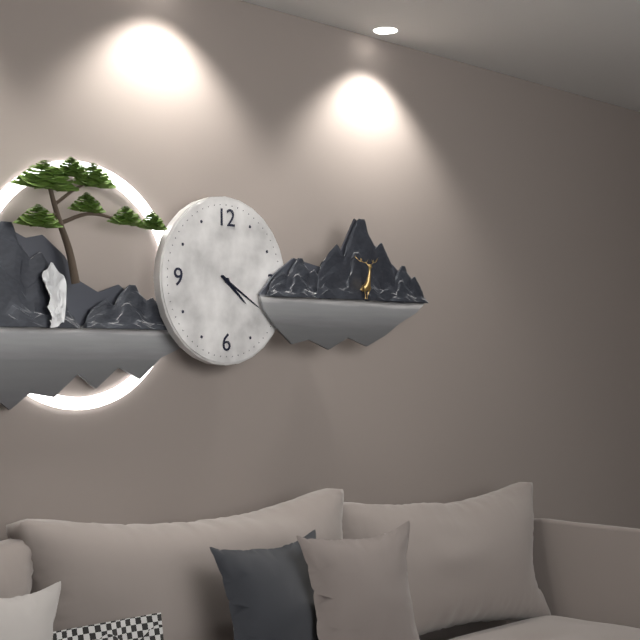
4.20
